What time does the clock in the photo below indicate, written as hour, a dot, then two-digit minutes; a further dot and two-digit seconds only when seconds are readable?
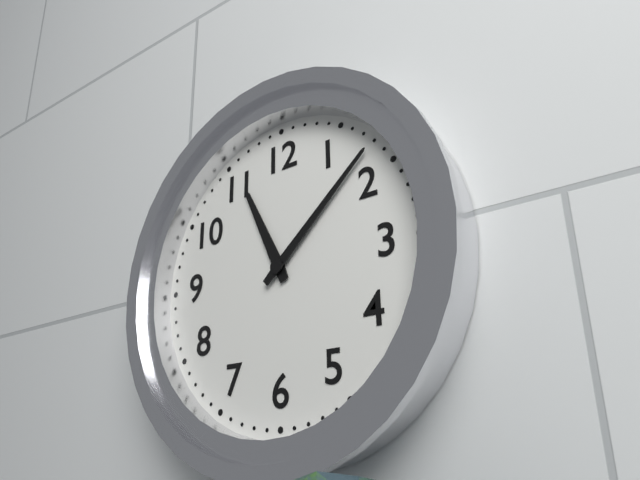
11.08
